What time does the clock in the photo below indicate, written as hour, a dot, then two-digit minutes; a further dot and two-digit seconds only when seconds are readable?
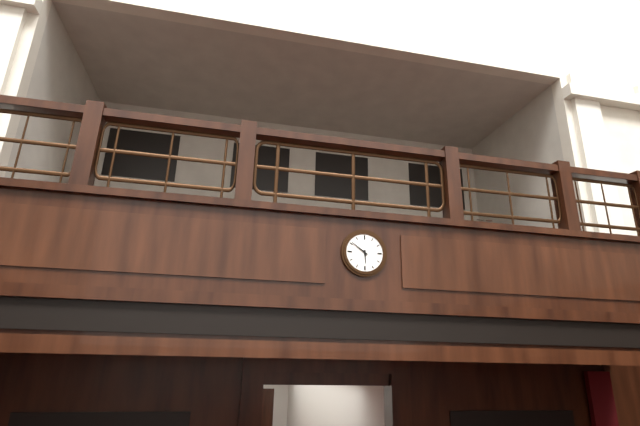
5.51
